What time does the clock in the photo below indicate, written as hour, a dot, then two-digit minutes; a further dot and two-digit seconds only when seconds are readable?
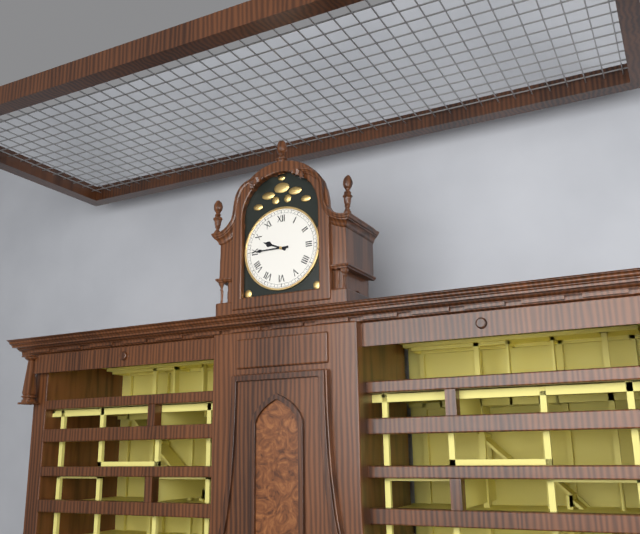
9.45
